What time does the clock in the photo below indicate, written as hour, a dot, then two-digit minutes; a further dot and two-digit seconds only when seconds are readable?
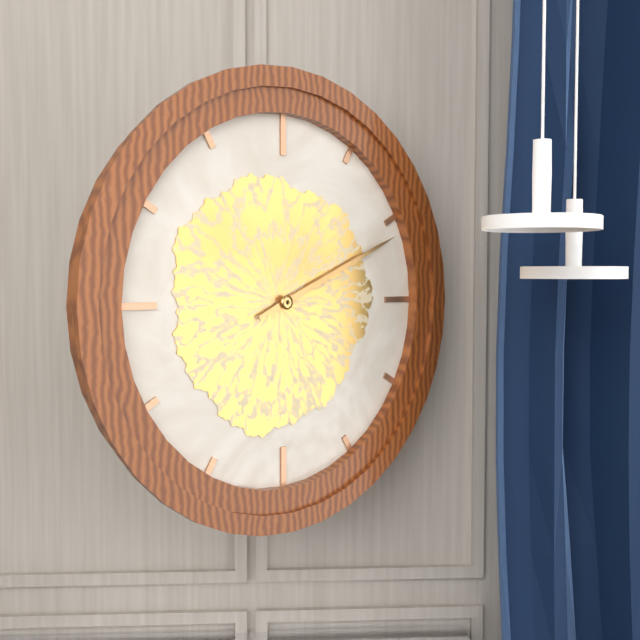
2.11
